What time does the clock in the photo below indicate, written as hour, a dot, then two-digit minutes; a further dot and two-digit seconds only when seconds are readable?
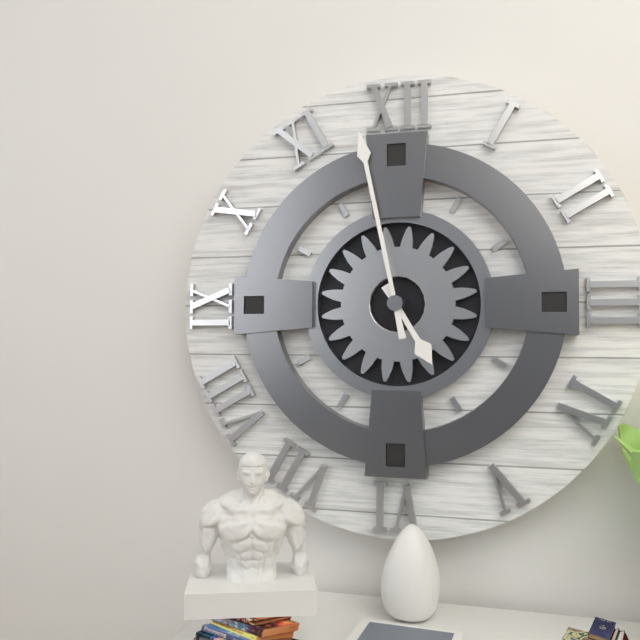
4.58
